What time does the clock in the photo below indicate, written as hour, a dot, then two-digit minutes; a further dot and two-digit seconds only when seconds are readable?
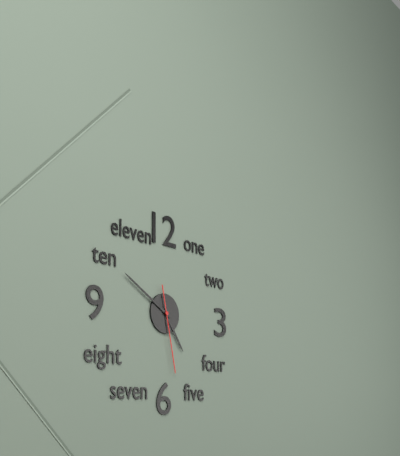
4.50.28
